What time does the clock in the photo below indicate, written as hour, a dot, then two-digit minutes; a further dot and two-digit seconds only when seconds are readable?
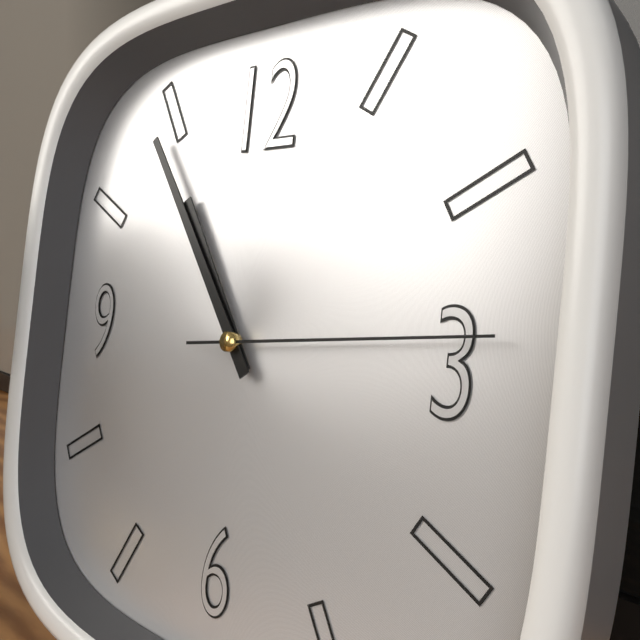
10.54.14
